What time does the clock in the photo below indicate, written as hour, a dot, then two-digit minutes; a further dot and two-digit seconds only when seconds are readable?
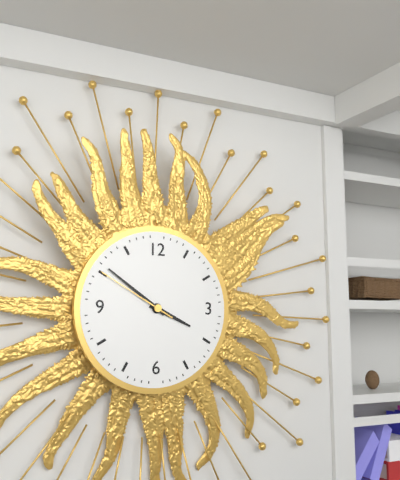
3.51.50
